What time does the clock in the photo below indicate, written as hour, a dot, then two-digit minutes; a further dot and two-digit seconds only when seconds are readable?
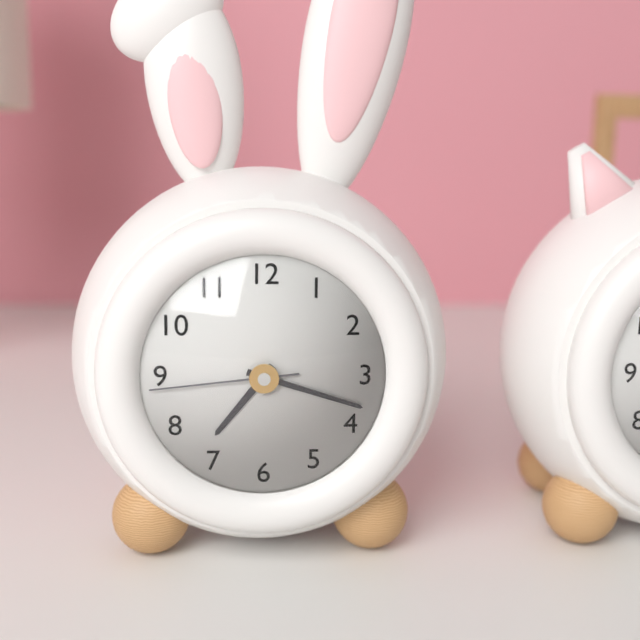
7.18.44
